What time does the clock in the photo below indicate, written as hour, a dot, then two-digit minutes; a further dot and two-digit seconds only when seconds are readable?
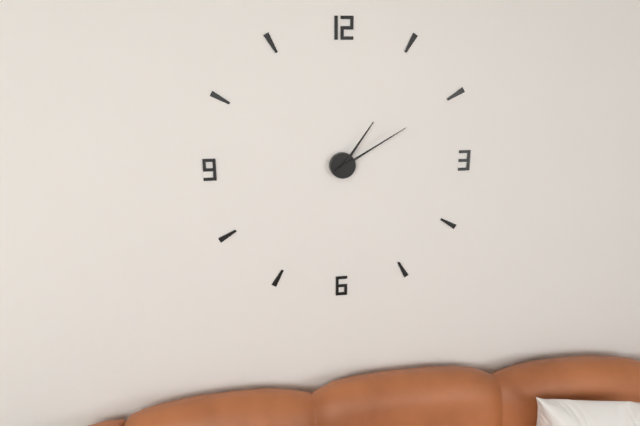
1.10
